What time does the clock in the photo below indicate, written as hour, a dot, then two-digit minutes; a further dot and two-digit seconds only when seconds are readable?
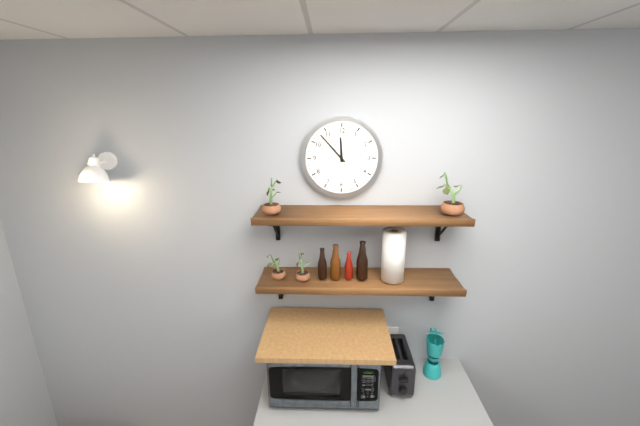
11.53
